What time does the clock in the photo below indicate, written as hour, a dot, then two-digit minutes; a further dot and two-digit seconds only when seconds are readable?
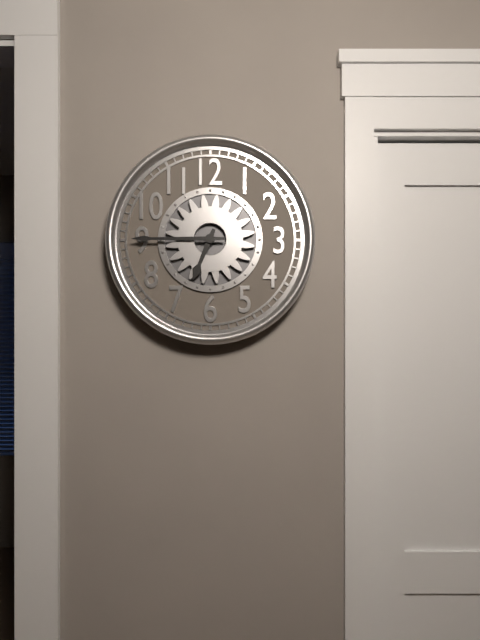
6.45
